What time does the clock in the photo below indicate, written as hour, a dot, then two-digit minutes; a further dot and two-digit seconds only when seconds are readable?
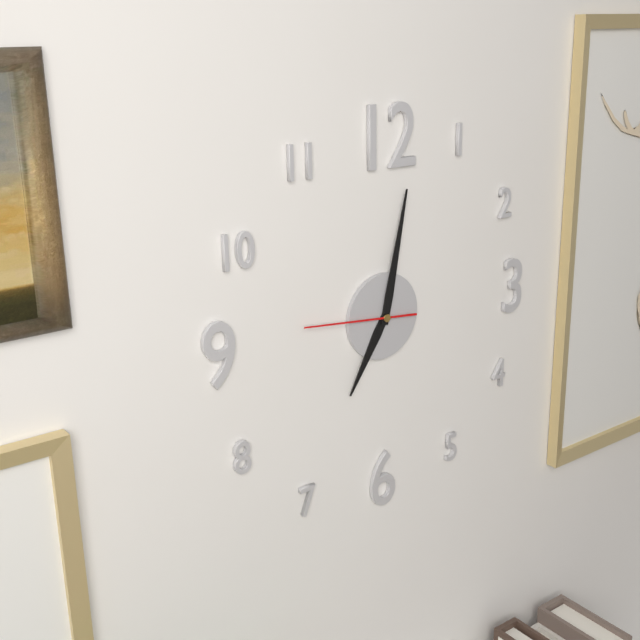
7.02.46
